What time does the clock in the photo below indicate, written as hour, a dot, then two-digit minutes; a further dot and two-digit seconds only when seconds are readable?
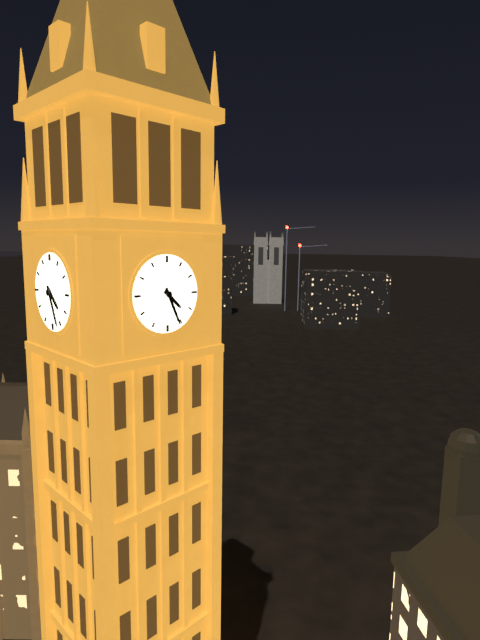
4.26
